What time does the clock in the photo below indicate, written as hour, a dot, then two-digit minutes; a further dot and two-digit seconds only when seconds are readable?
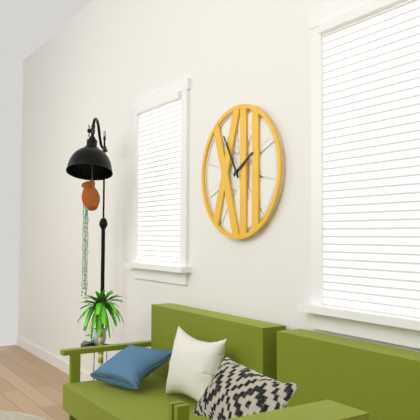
1.55
